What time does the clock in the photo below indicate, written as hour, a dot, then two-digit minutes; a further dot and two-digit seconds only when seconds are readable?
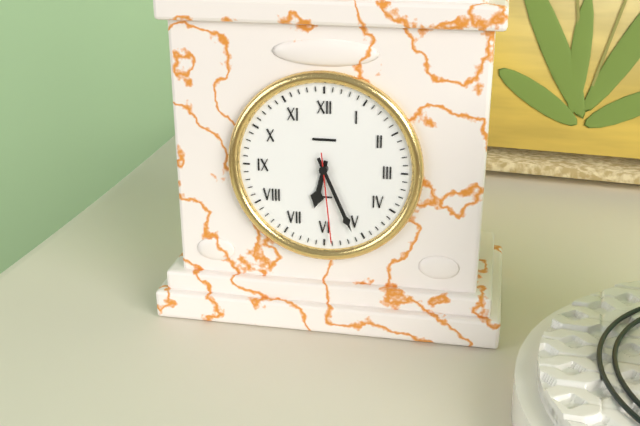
6.26.29
